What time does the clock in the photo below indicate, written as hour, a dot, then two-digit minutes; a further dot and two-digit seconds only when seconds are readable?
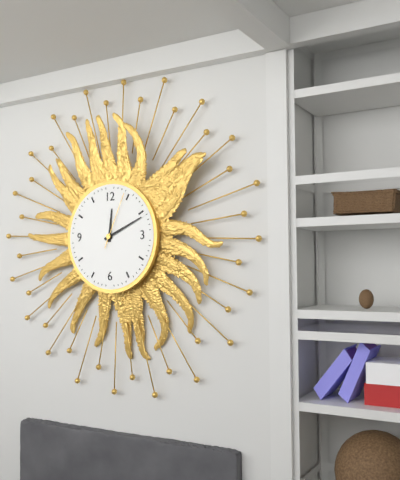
12.11.04
